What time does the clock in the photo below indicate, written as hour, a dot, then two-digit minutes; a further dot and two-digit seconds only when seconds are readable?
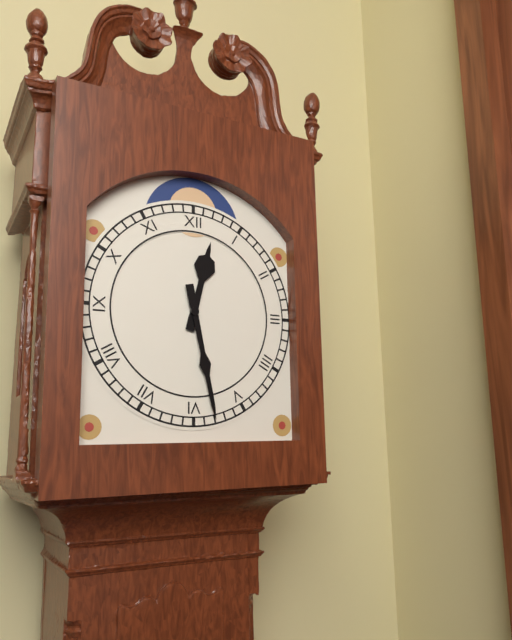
12.28
